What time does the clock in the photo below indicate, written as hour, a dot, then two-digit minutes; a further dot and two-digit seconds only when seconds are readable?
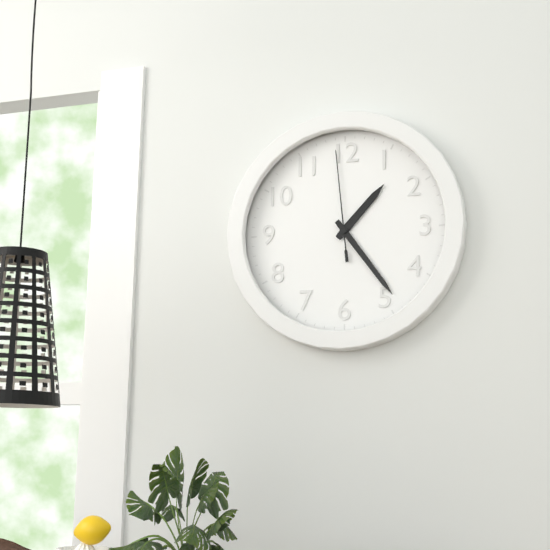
1.24.59
